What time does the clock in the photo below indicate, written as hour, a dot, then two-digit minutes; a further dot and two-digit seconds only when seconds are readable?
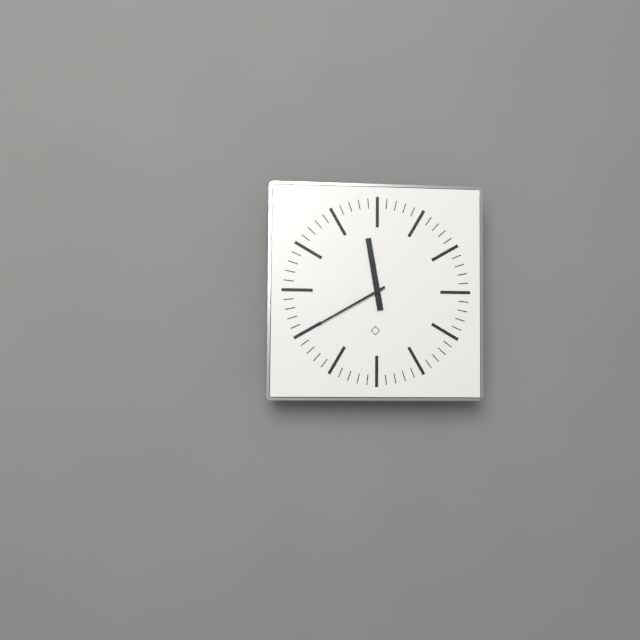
11.40
